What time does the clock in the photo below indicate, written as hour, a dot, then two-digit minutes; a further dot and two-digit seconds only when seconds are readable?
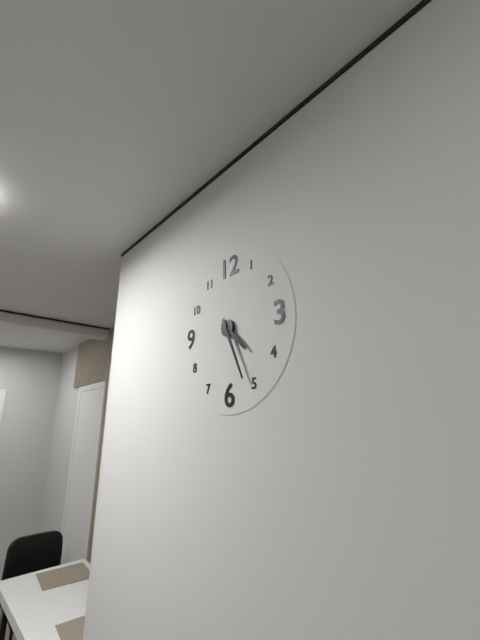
4.26
